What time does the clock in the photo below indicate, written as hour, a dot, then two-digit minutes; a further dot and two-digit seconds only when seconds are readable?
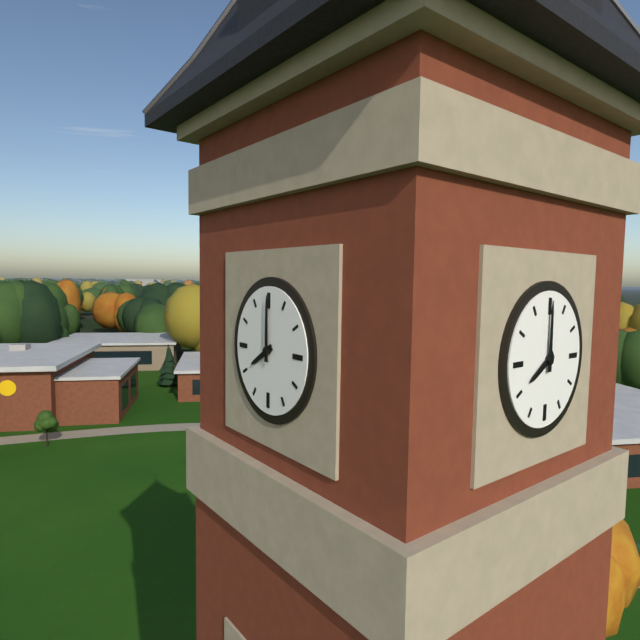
8.00
